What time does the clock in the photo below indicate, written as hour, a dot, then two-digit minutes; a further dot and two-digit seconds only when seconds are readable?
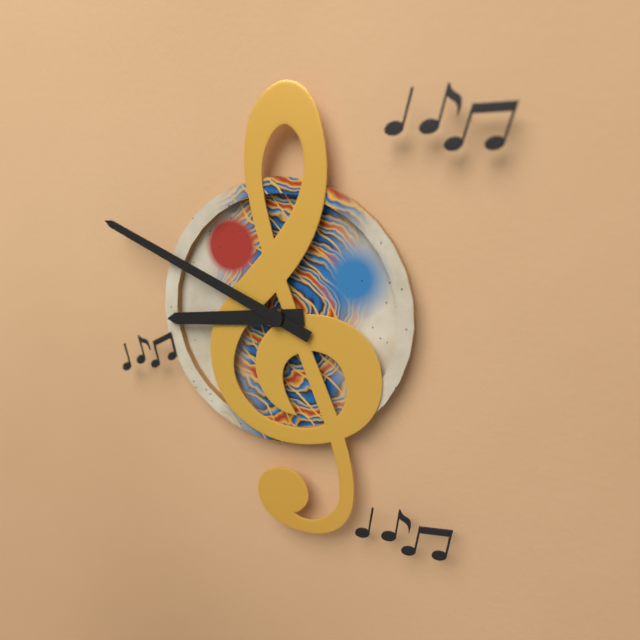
8.49
